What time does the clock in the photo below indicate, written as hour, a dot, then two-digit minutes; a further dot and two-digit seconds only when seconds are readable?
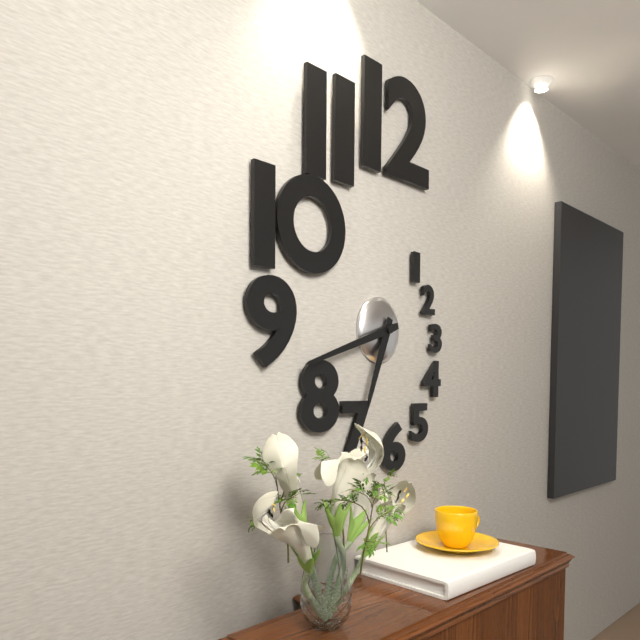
6.42
